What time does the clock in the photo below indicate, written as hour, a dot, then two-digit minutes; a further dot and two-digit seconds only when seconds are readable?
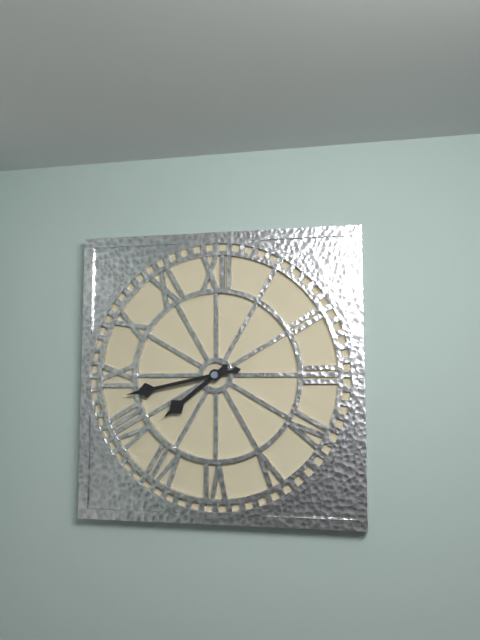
7.43
